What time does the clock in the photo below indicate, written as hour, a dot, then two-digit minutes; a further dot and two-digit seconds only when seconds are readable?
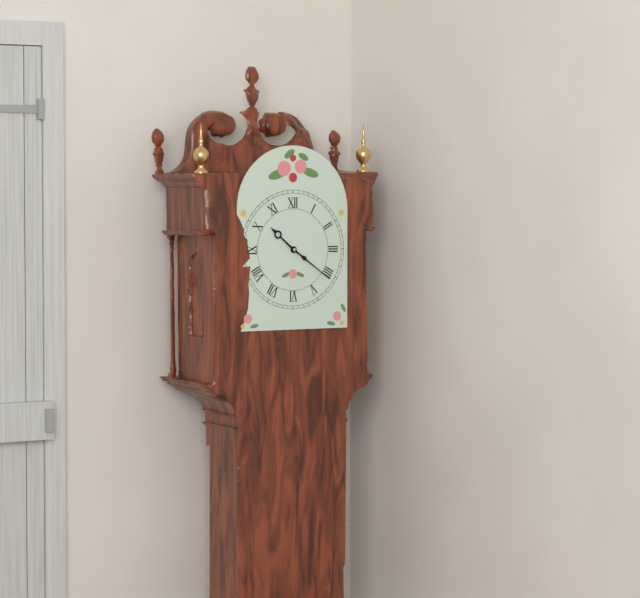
10.21
